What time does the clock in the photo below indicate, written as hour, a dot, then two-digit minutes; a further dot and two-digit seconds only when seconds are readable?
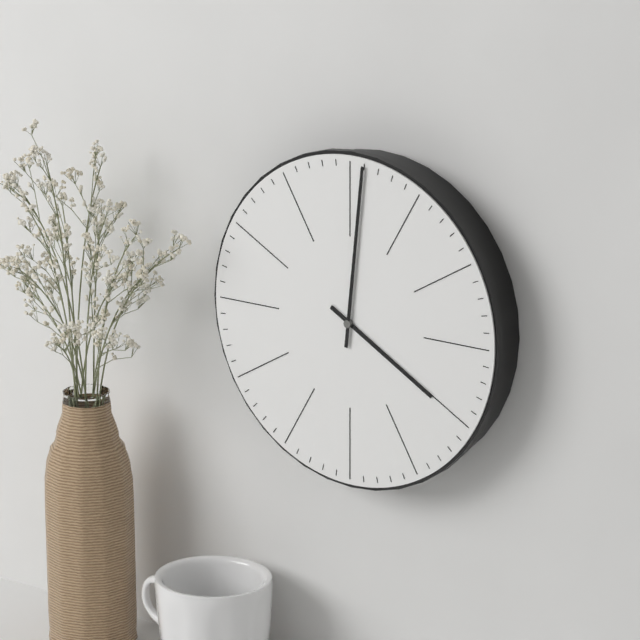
4.01
